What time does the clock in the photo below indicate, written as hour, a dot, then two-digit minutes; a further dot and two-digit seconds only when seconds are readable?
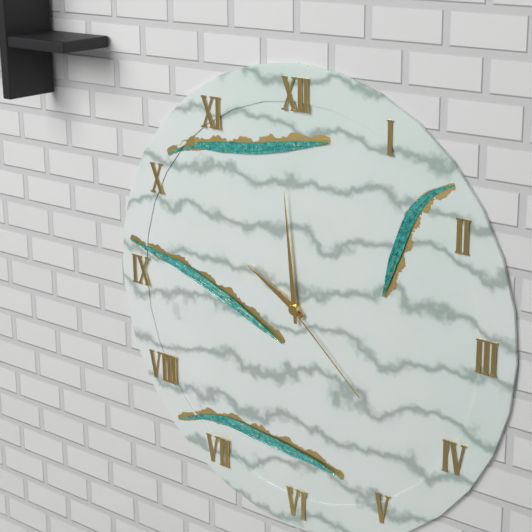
9.59.22
